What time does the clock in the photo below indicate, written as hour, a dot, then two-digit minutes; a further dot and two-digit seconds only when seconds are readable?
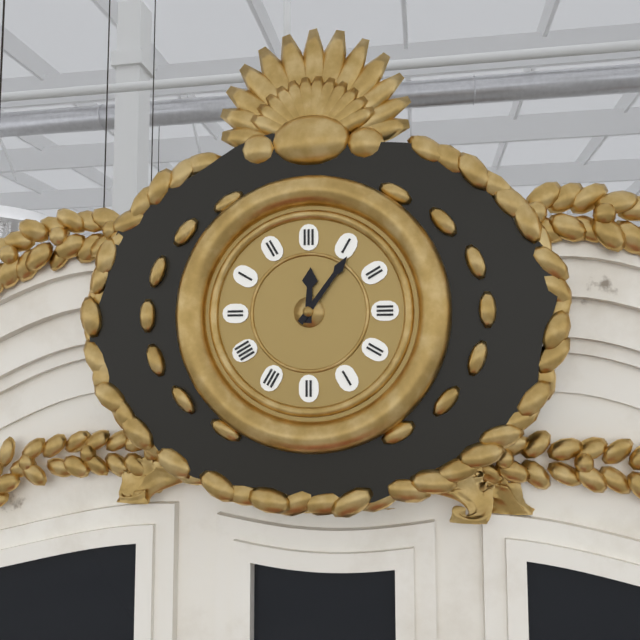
12.06
